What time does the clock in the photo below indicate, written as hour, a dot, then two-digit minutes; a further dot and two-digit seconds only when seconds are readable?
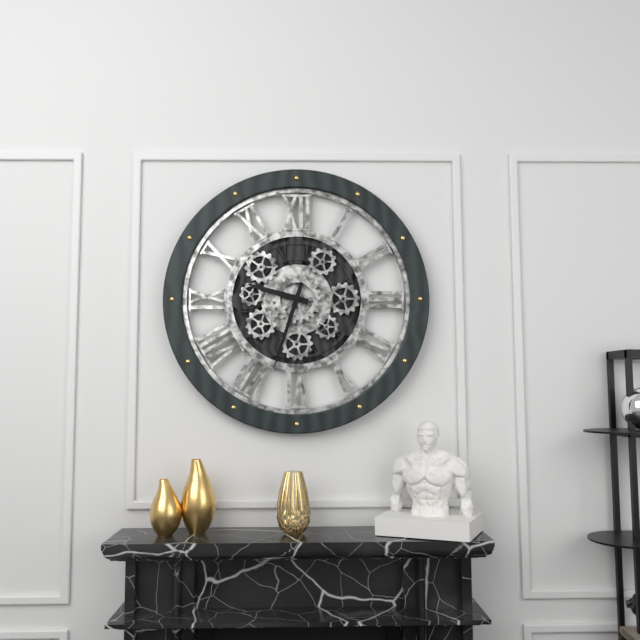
9.33
